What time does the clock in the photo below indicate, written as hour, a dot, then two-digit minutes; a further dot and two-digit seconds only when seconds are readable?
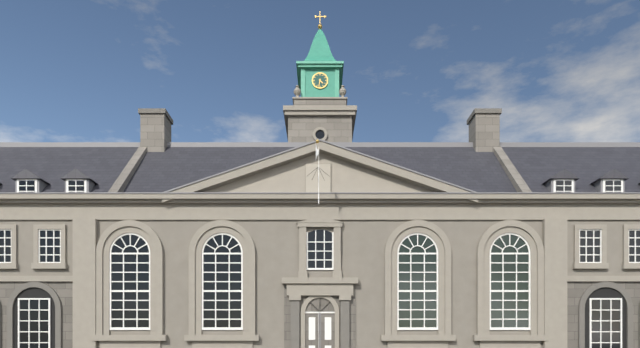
4.32
